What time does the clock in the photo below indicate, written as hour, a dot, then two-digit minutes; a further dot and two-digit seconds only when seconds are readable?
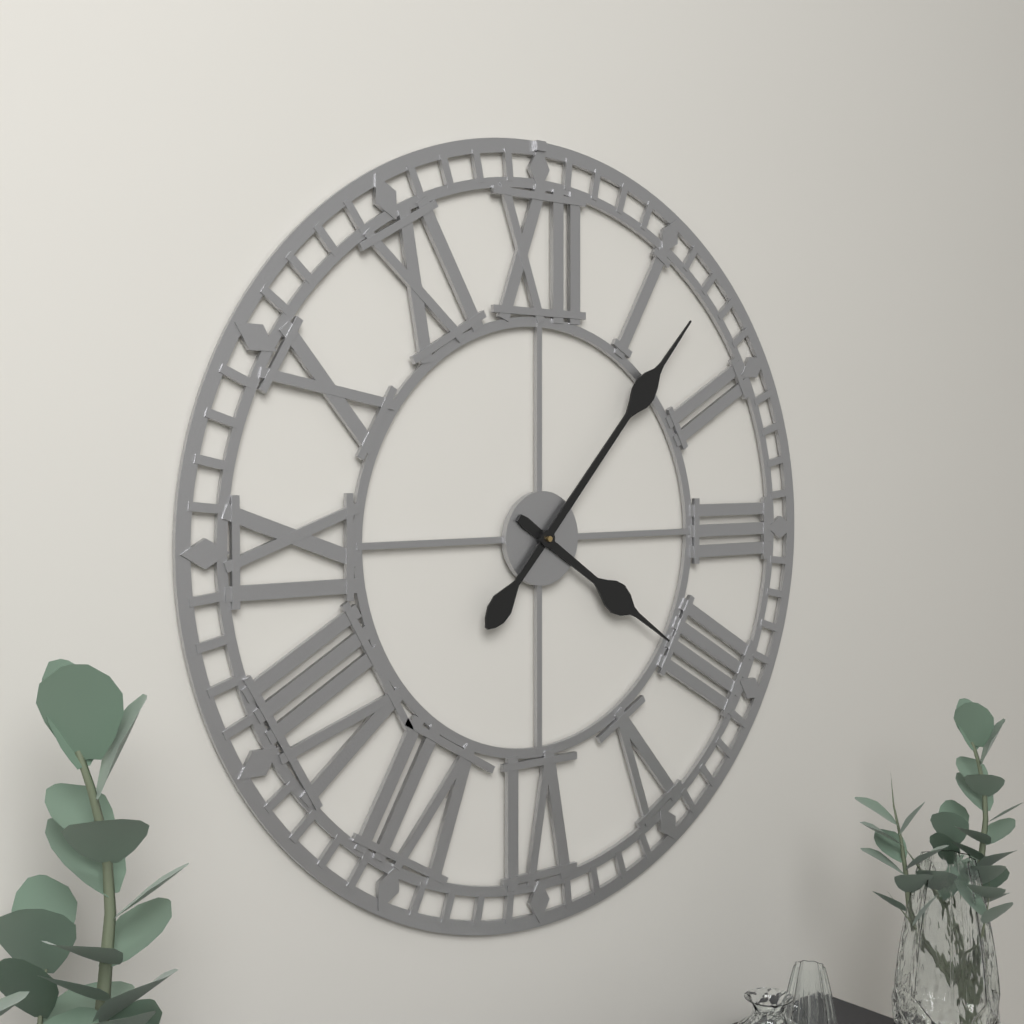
4.07
